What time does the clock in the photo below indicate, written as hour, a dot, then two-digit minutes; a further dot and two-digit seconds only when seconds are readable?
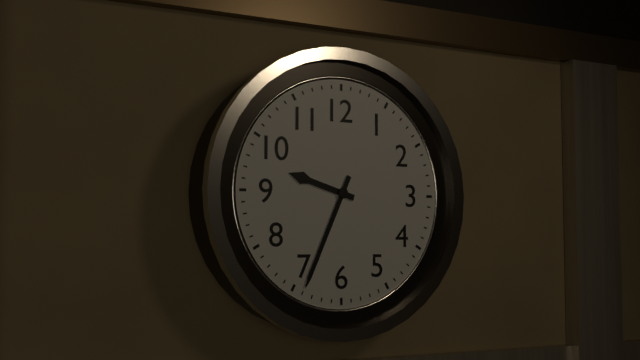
9.34
